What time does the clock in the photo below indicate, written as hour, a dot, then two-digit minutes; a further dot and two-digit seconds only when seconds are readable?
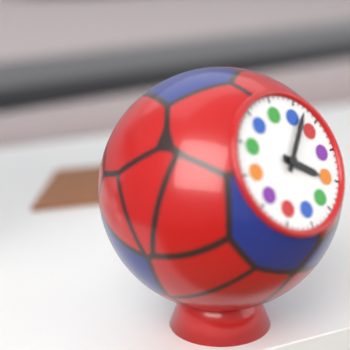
4.07
